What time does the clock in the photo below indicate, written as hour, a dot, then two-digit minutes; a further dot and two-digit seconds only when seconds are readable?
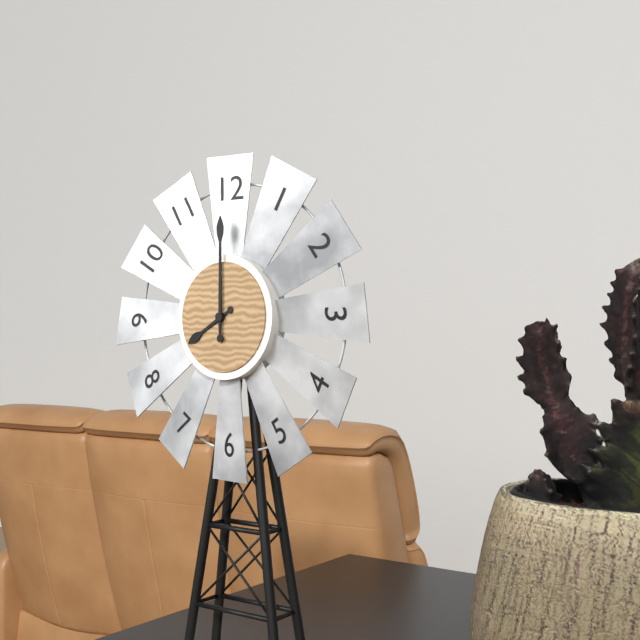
8.00
